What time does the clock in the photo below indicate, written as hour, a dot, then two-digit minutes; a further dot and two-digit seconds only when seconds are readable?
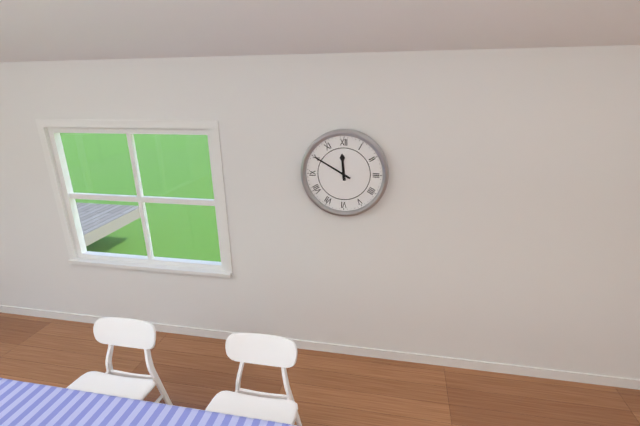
11.50
